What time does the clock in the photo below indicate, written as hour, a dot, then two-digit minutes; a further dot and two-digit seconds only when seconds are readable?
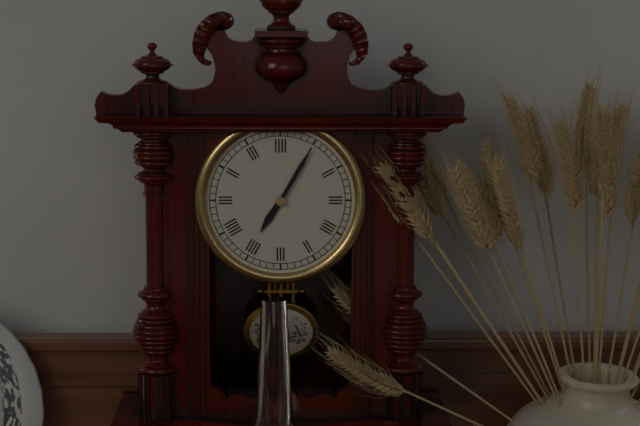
7.05
